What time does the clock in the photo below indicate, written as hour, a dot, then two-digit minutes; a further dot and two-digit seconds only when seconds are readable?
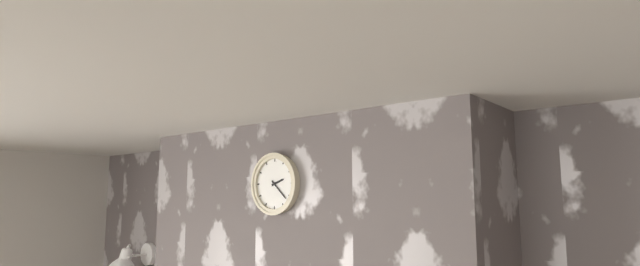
2.22
